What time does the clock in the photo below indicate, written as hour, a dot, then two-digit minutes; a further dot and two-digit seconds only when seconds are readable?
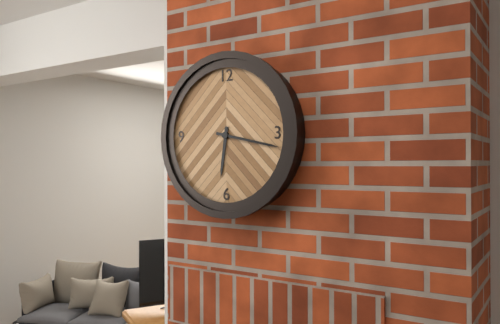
6.17
